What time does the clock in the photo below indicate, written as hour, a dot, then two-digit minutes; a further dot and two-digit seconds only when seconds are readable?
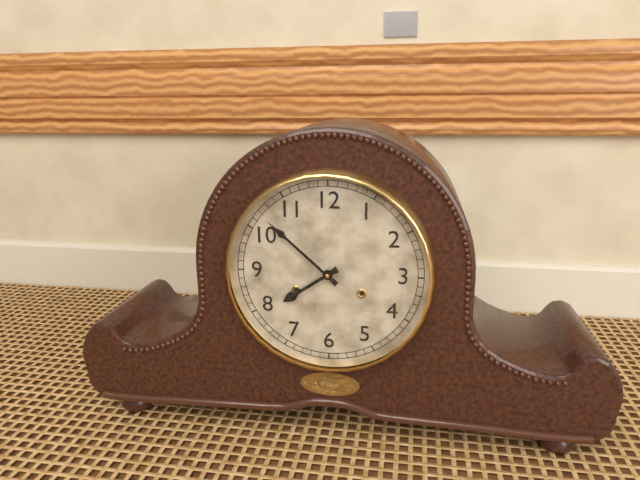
7.52
